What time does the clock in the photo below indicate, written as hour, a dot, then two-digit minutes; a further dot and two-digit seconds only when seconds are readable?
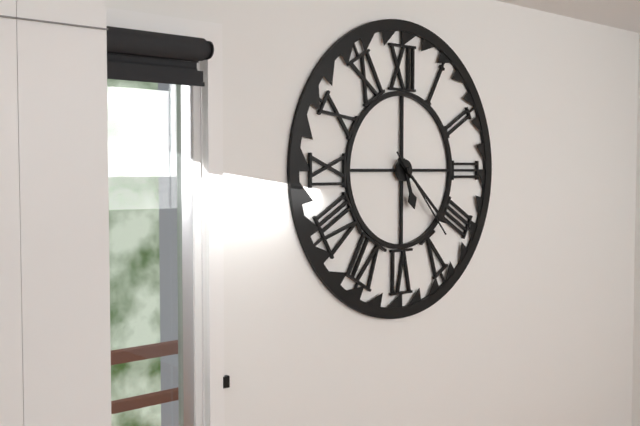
5.22.23
